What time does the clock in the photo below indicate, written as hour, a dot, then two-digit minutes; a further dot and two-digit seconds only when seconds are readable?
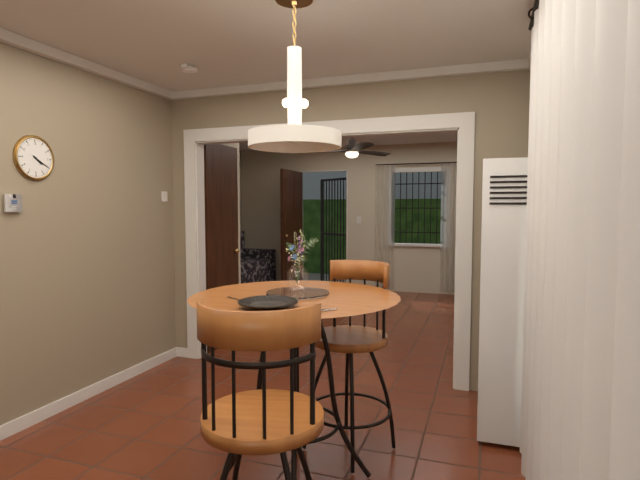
4.20
